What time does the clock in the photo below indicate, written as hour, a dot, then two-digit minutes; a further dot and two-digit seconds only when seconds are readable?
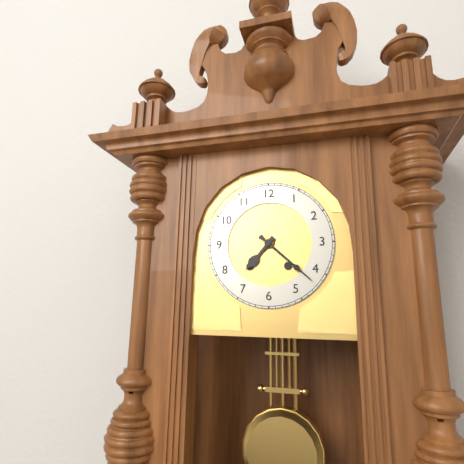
7.22
